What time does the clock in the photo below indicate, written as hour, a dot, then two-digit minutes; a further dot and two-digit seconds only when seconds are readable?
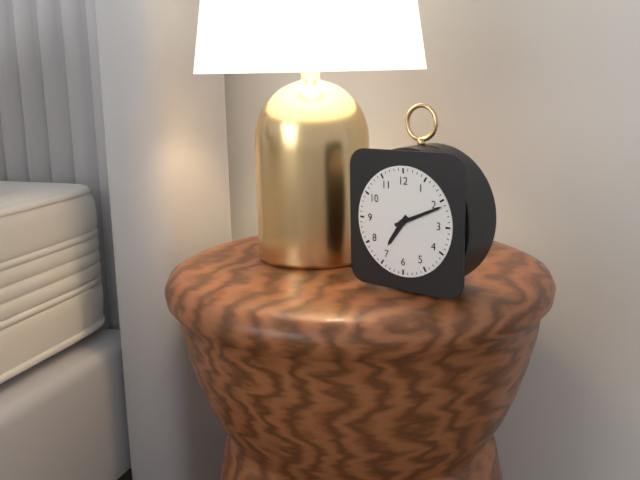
7.11
